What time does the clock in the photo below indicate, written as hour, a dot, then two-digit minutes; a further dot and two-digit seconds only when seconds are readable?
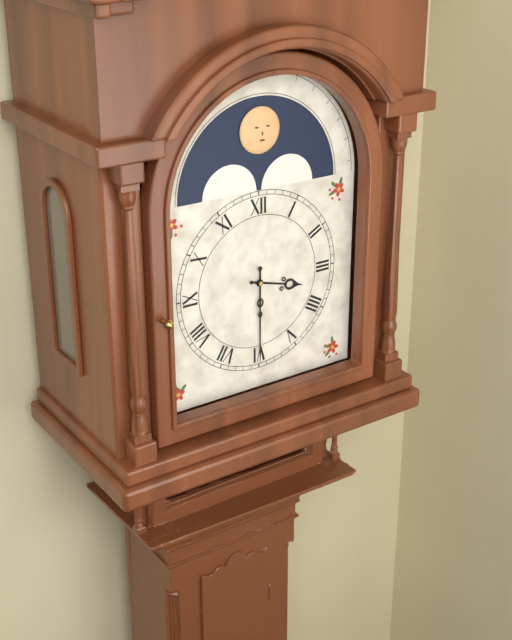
3.30
